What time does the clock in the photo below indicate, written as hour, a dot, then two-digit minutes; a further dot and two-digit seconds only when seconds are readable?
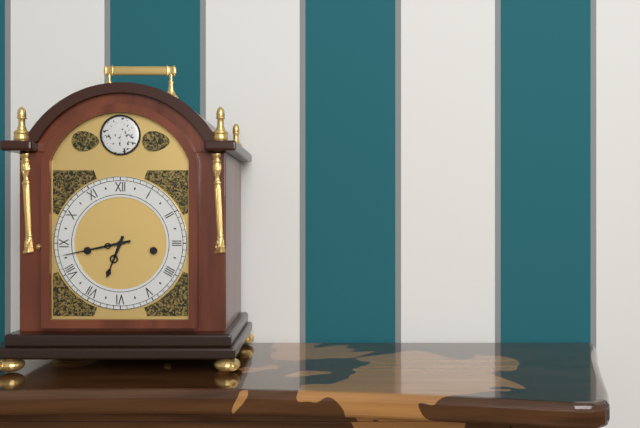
6.43
